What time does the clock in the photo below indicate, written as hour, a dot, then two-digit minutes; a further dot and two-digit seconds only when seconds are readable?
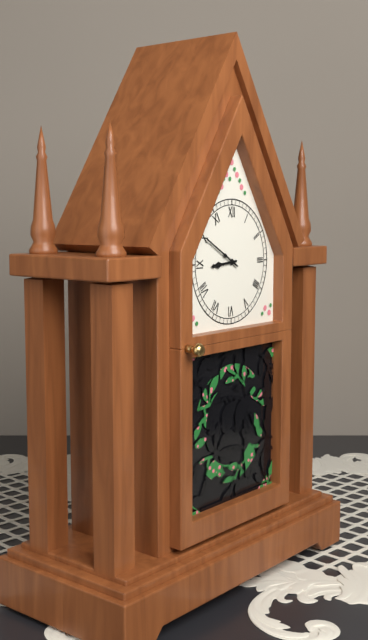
8.50
